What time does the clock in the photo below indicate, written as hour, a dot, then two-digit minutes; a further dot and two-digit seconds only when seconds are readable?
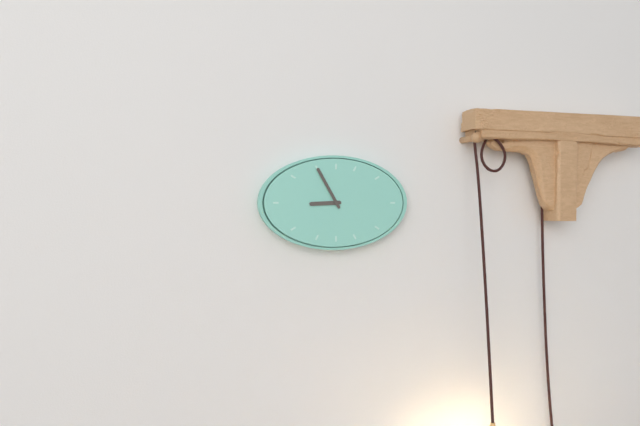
8.55
